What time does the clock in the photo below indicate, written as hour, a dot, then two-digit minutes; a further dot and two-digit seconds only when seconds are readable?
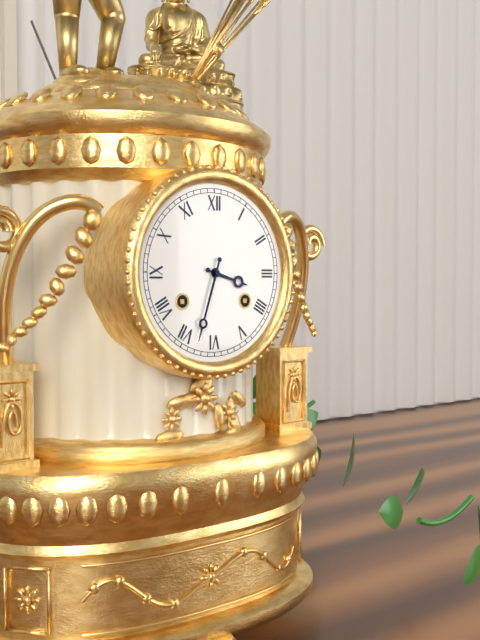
3.33
